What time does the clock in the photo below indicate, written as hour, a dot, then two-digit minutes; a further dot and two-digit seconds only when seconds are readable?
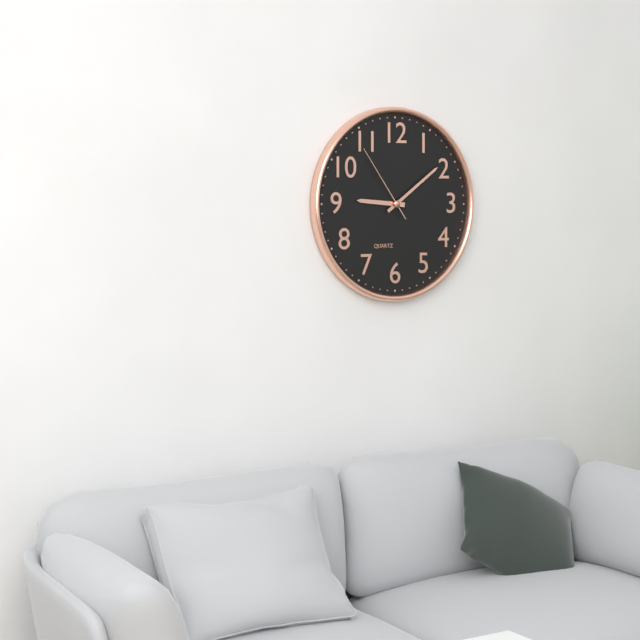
9.09.54
